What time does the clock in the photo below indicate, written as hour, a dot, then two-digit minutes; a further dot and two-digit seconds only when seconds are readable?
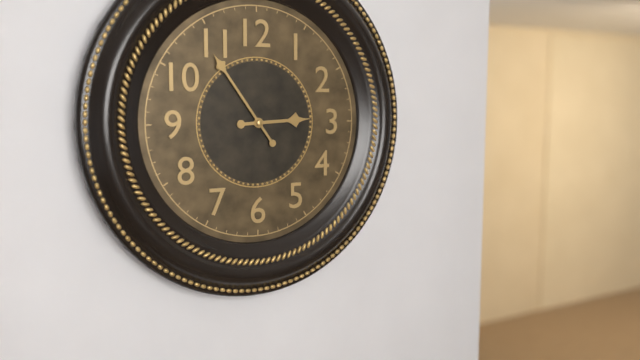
2.54
